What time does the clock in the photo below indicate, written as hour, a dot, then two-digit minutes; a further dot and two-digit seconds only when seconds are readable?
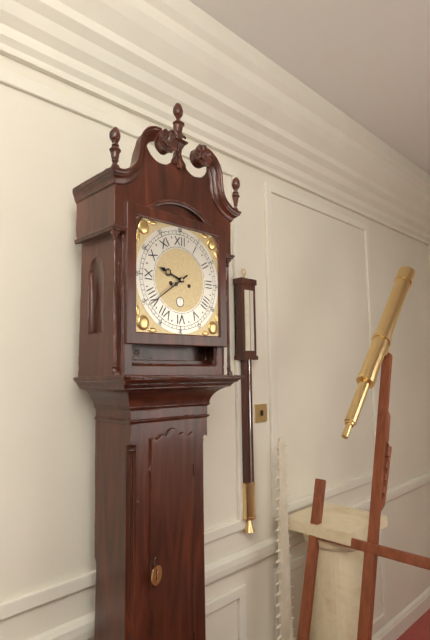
9.39
